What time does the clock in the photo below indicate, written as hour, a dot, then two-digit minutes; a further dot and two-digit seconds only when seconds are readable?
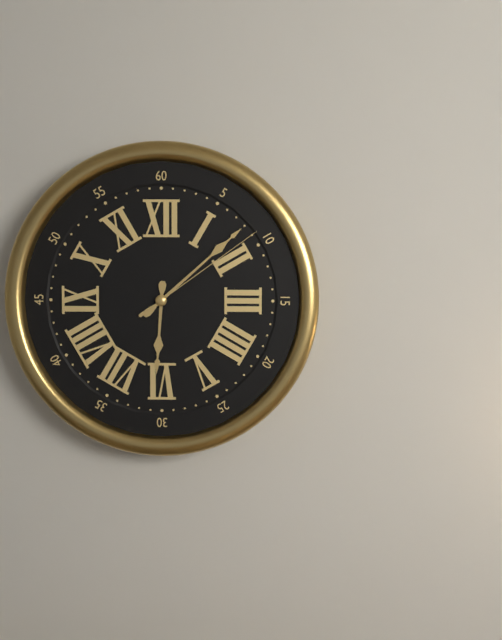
6.08.09
